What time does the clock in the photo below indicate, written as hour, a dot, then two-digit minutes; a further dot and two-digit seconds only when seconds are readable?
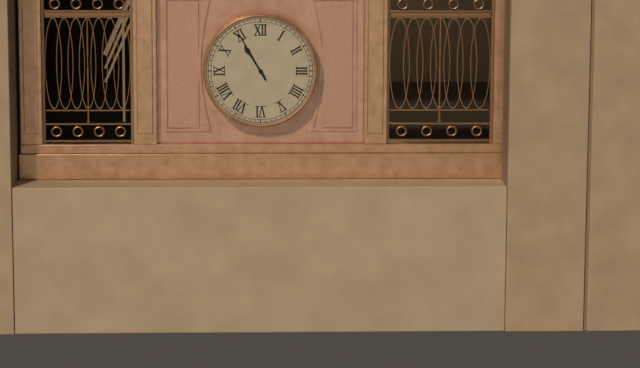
10.55
